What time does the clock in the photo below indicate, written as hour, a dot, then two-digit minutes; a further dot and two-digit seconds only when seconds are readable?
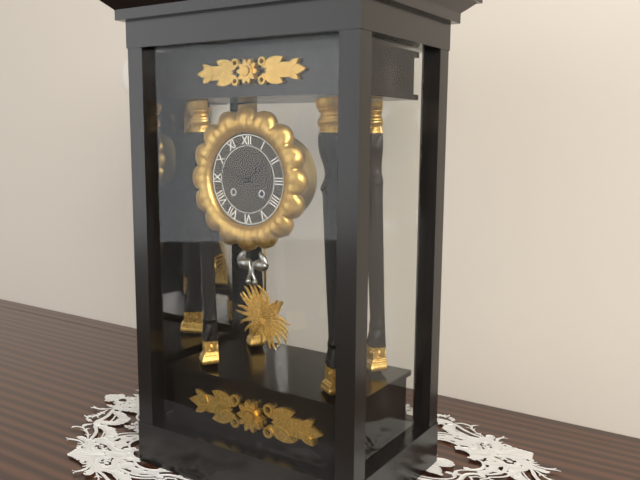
1.48
